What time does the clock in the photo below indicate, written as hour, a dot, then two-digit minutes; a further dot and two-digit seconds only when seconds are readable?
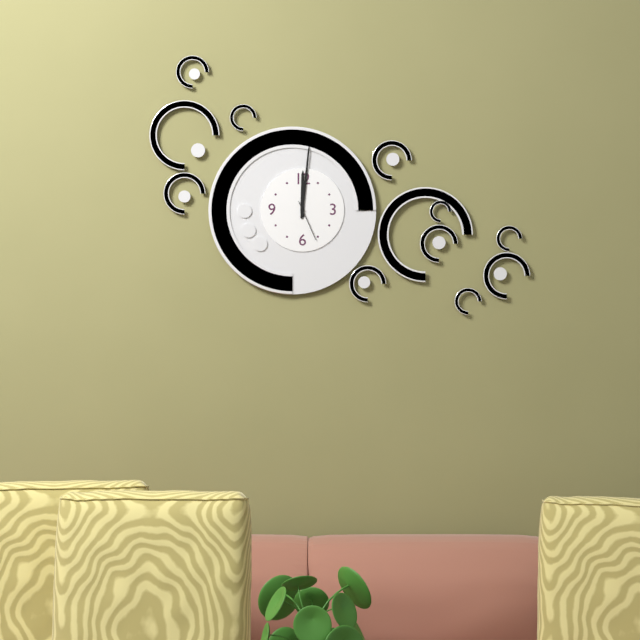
12.01
